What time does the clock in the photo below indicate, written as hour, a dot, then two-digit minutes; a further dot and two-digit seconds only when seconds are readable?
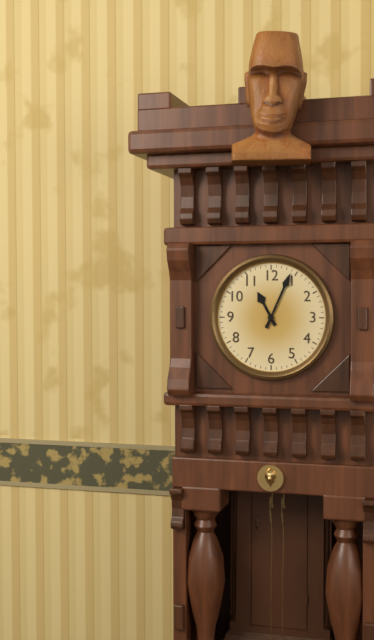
11.04
